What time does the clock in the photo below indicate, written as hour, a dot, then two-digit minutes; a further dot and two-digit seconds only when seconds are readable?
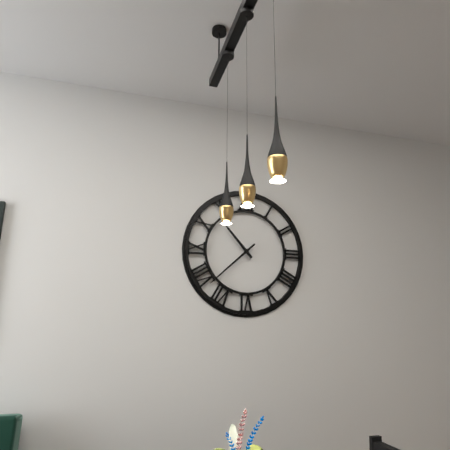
10.38
